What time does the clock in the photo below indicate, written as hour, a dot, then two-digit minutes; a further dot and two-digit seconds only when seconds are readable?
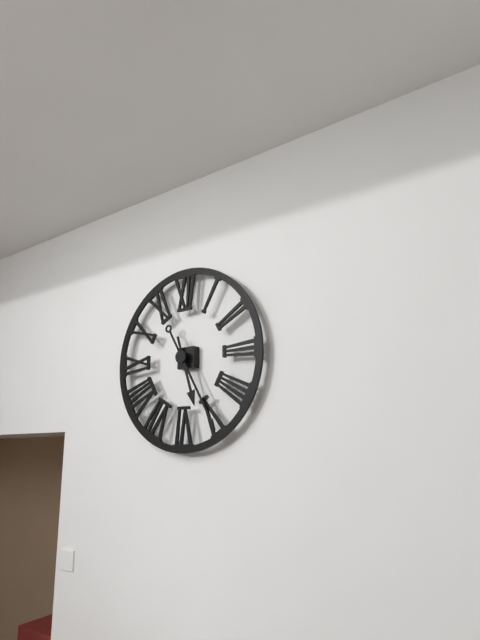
5.25
